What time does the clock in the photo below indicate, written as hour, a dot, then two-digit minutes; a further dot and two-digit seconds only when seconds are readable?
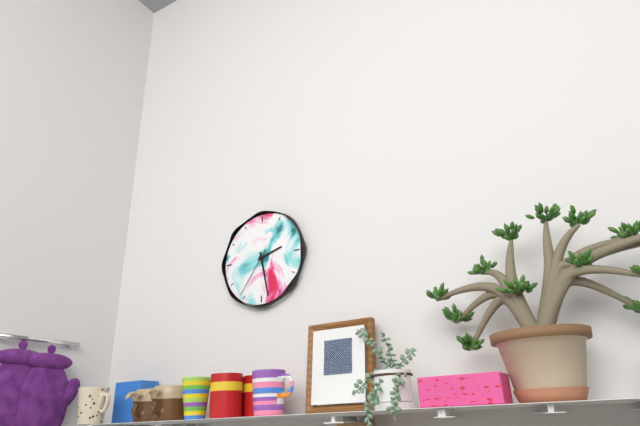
2.28.36
